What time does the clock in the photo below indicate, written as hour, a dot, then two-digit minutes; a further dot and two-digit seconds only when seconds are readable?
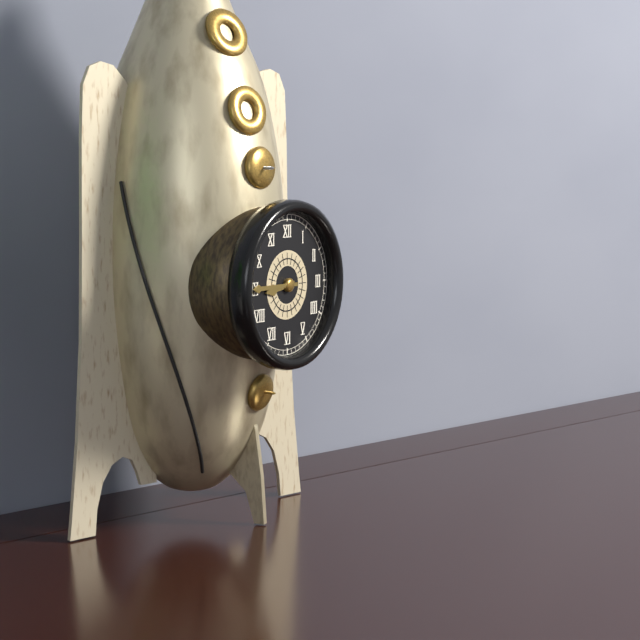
8.45
